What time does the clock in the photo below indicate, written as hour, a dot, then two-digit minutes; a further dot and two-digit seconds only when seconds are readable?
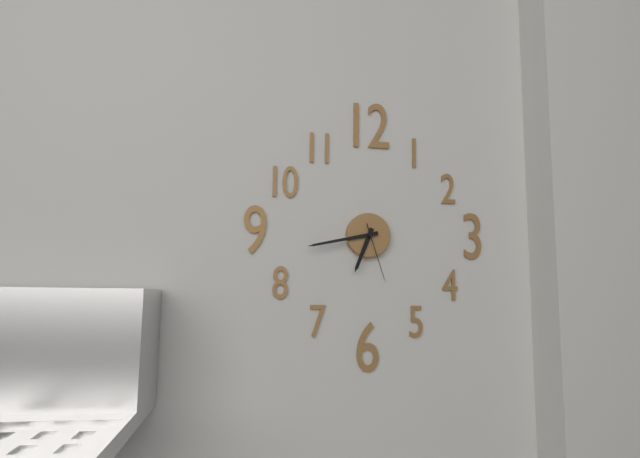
6.43.27
